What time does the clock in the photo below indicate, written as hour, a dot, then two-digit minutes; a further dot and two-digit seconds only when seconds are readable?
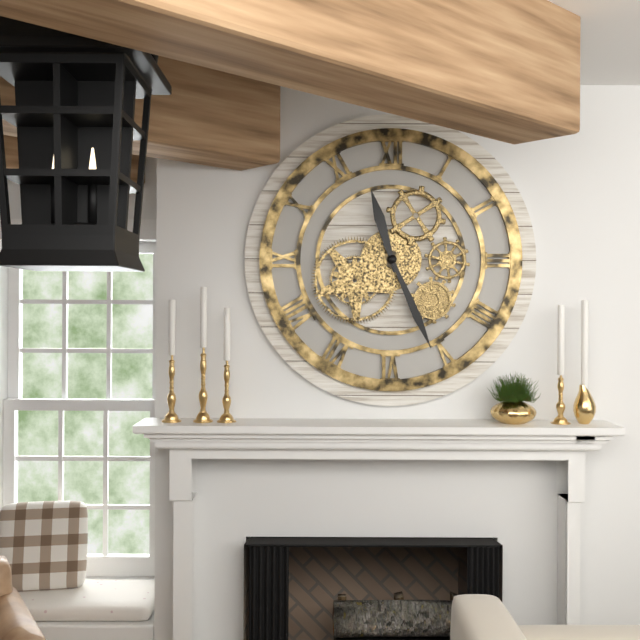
11.26
